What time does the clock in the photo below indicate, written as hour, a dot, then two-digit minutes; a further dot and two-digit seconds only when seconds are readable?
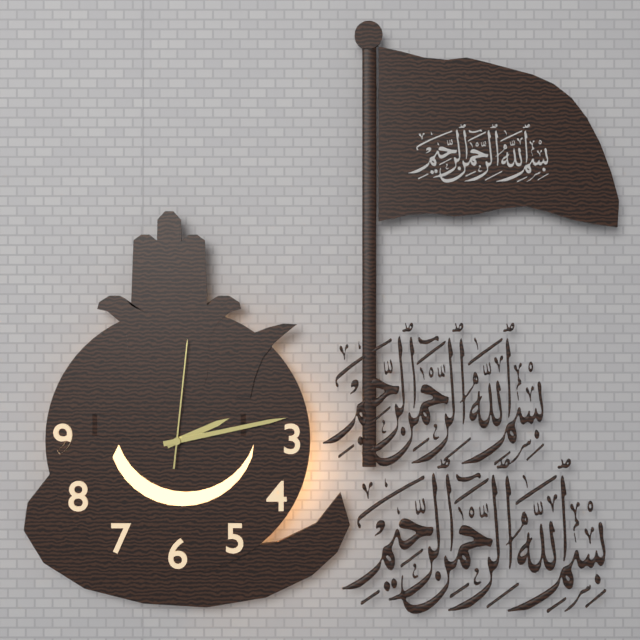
2.13.01
